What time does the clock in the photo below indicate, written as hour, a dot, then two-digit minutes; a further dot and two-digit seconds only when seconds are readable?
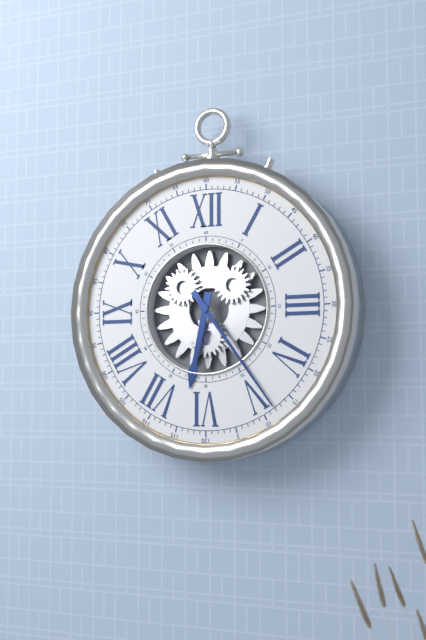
6.24
